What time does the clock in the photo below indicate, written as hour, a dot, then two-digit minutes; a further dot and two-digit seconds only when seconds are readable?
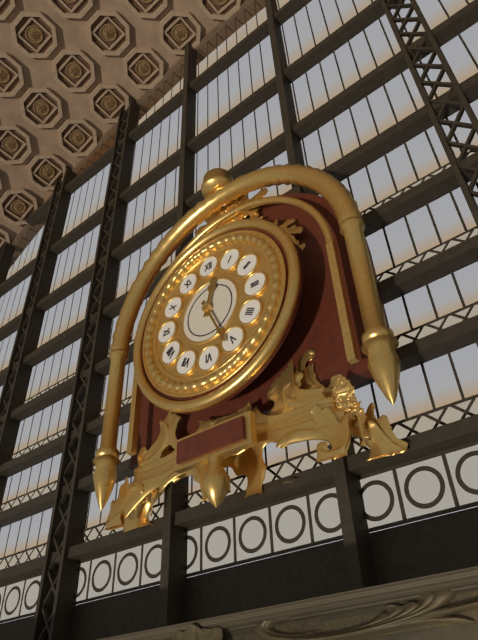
12.26
